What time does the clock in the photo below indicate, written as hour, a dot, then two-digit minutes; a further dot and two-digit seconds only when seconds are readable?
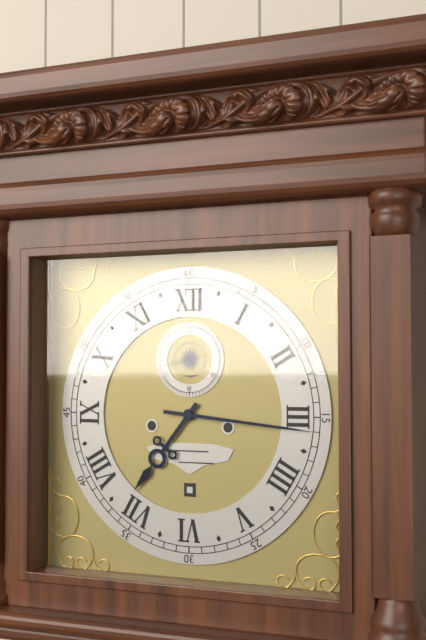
7.16.43
